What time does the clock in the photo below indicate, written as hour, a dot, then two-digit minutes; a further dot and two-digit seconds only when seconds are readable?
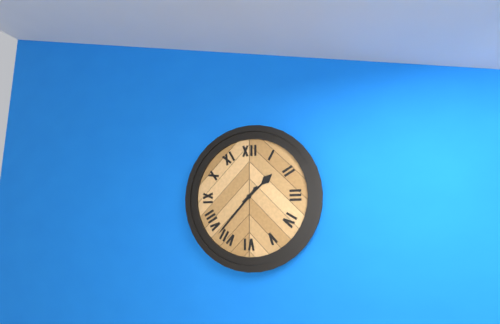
1.37
